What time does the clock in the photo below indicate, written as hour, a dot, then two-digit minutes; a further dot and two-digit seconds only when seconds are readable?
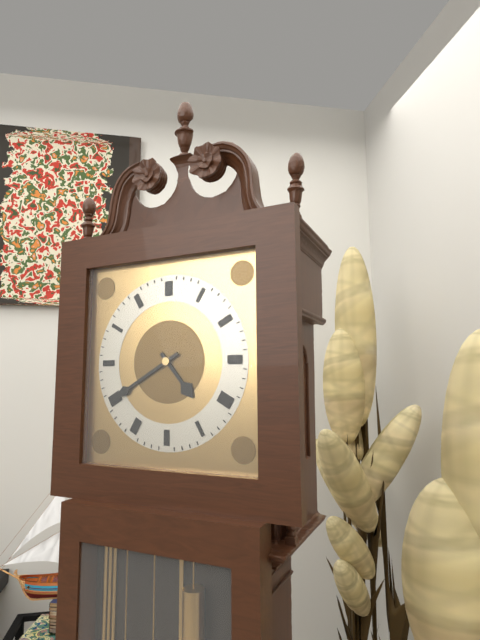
4.40
